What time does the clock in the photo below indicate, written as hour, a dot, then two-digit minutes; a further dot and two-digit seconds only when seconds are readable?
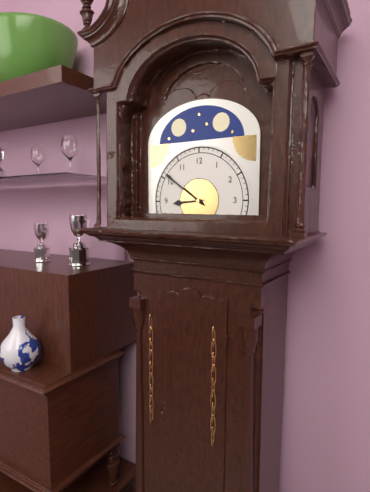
8.51
